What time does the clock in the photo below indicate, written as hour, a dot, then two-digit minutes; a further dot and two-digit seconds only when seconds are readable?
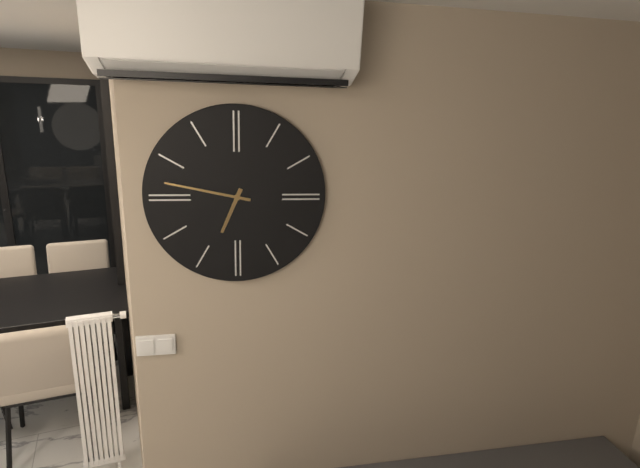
6.47
